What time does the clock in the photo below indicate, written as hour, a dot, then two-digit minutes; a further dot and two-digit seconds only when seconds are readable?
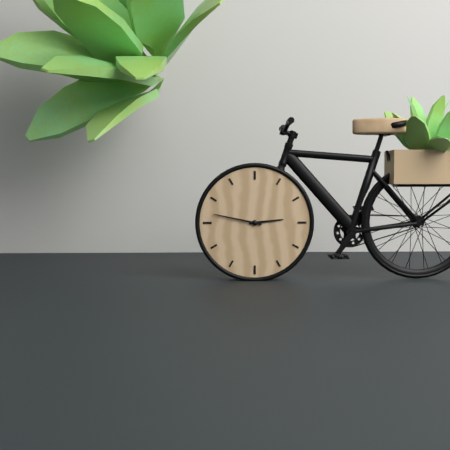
2.47
